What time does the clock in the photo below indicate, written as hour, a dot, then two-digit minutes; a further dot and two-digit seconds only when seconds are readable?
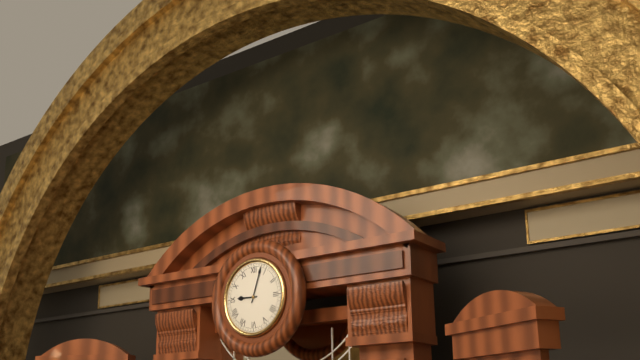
9.03
